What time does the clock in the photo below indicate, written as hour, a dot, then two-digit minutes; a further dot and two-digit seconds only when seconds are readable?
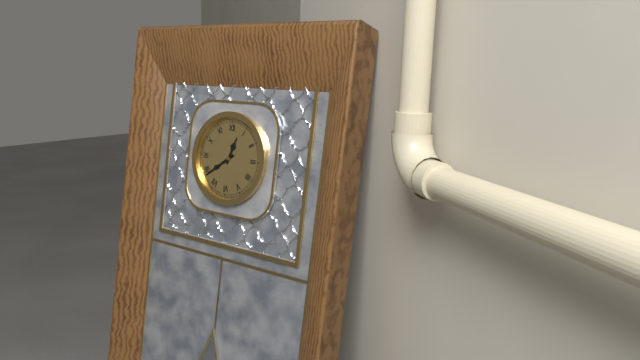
12.39
